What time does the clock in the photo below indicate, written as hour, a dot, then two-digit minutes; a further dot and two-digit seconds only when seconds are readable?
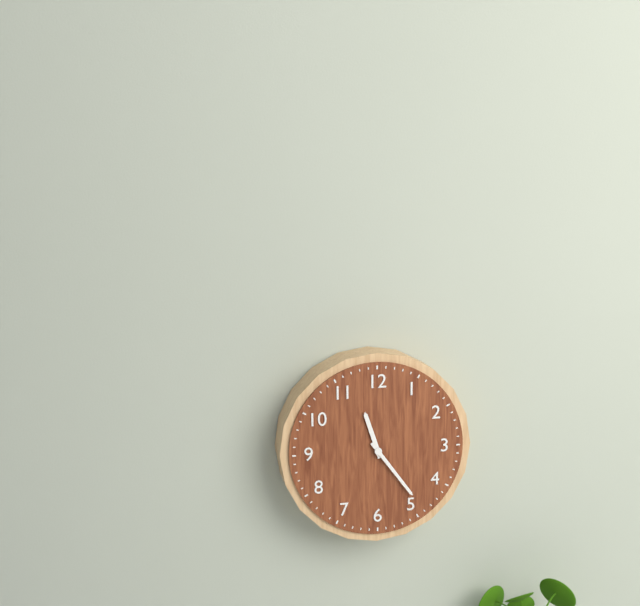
11.24
